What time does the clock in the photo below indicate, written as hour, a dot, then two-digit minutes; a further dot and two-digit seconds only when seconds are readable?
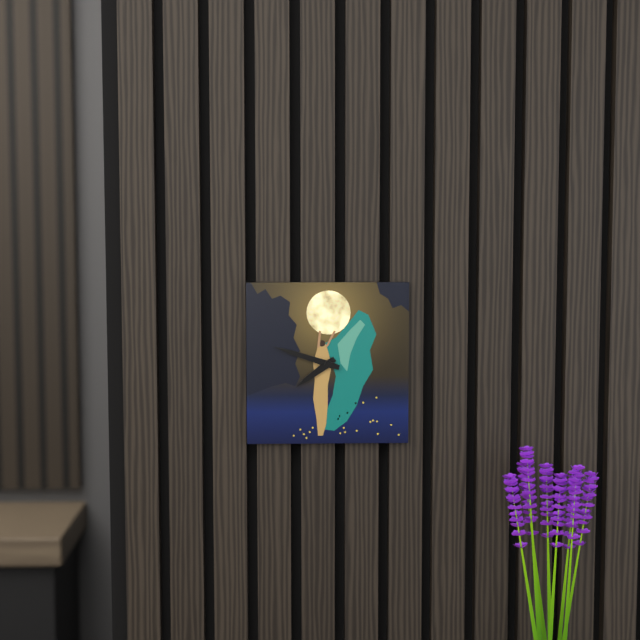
7.48
